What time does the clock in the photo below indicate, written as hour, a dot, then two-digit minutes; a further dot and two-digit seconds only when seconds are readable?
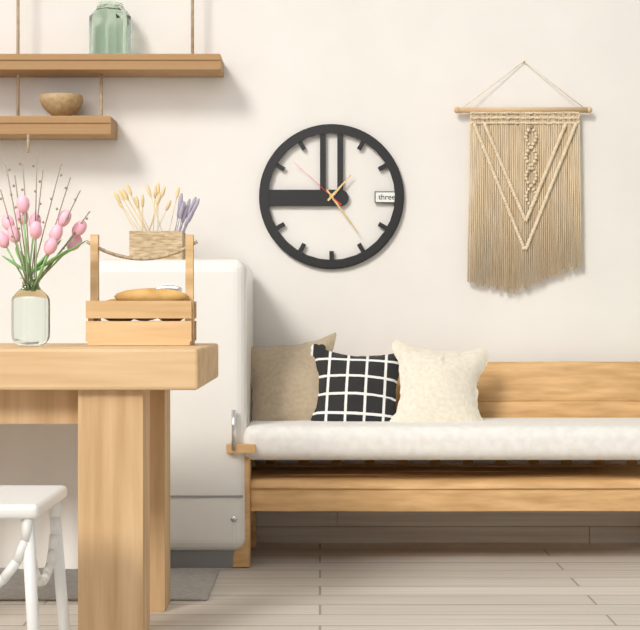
1.24.52
